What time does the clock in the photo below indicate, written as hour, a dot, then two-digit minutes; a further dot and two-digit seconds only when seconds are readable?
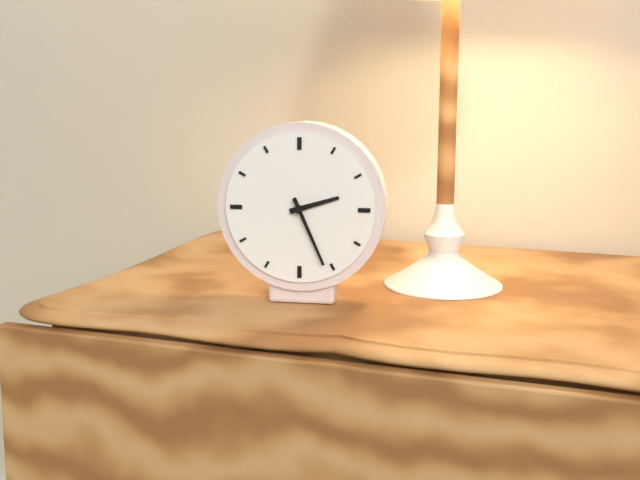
2.26
